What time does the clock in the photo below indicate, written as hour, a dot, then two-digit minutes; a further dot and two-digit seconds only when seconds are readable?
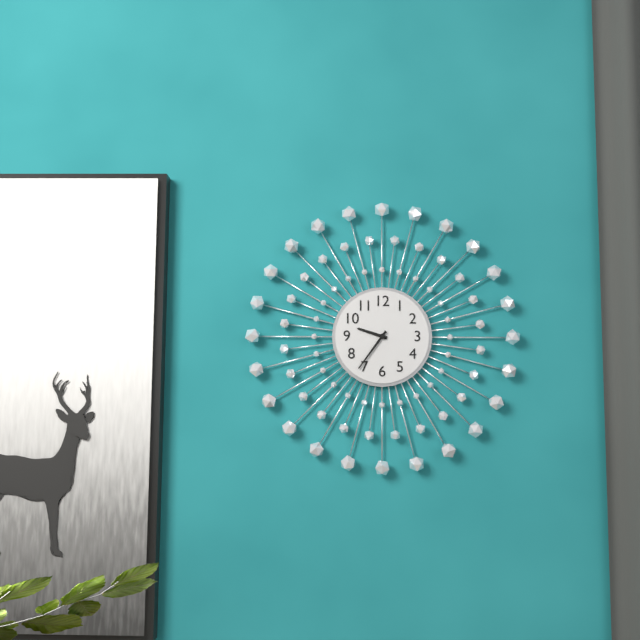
9.36
